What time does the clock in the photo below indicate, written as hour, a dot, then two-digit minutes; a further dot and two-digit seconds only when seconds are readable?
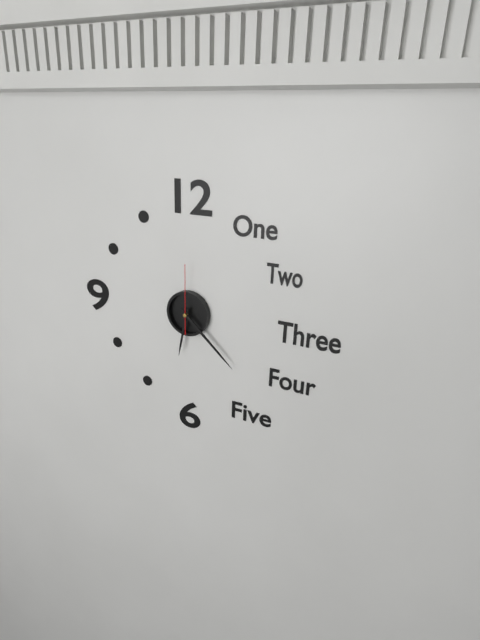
6.22.00
